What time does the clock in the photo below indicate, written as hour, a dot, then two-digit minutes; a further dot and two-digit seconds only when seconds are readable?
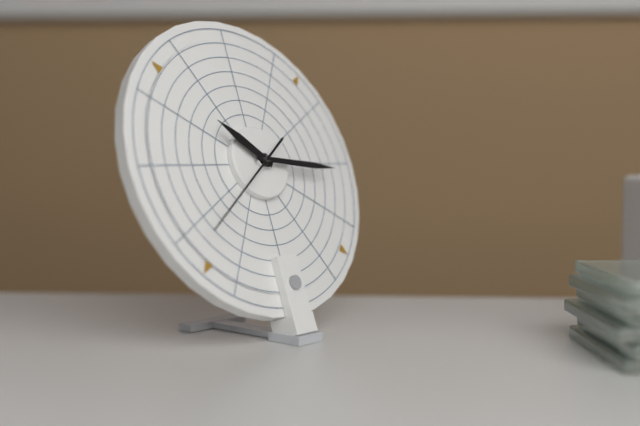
10.16.39
